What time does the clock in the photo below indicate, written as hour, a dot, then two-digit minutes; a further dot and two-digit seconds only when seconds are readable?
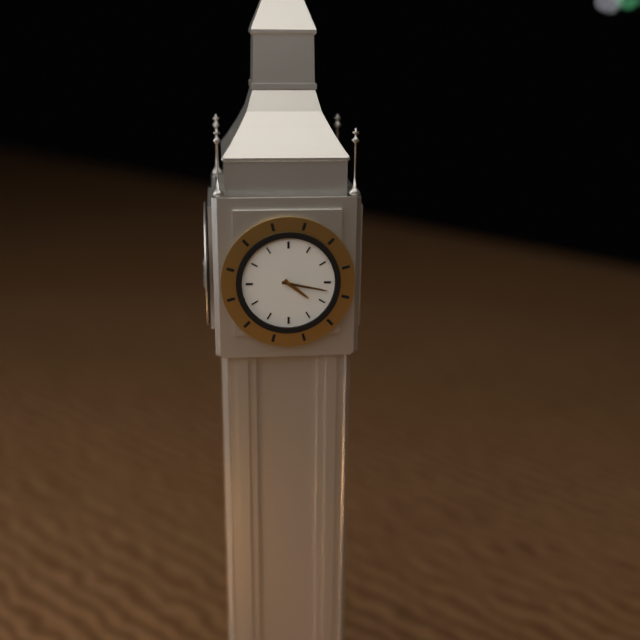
4.17
